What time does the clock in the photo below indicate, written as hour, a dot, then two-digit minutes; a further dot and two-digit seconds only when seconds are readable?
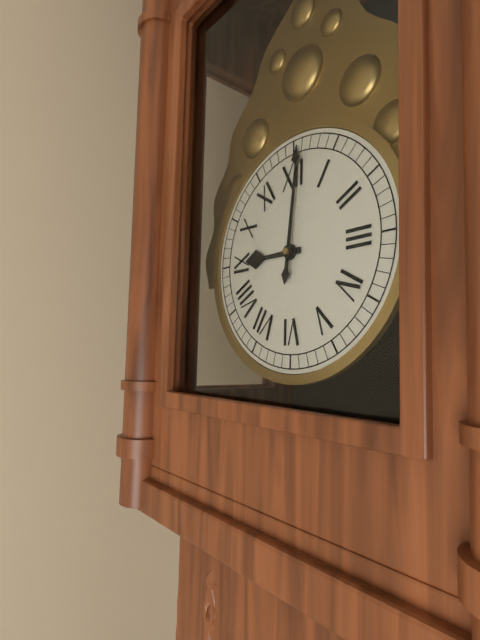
9.01
